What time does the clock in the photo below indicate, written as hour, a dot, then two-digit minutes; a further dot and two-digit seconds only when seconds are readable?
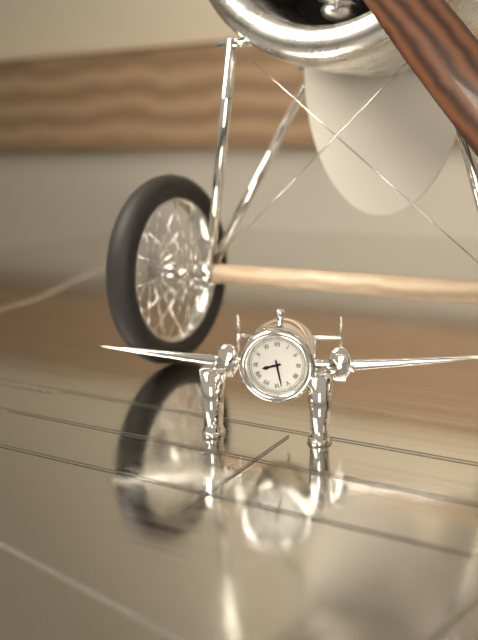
8.28
